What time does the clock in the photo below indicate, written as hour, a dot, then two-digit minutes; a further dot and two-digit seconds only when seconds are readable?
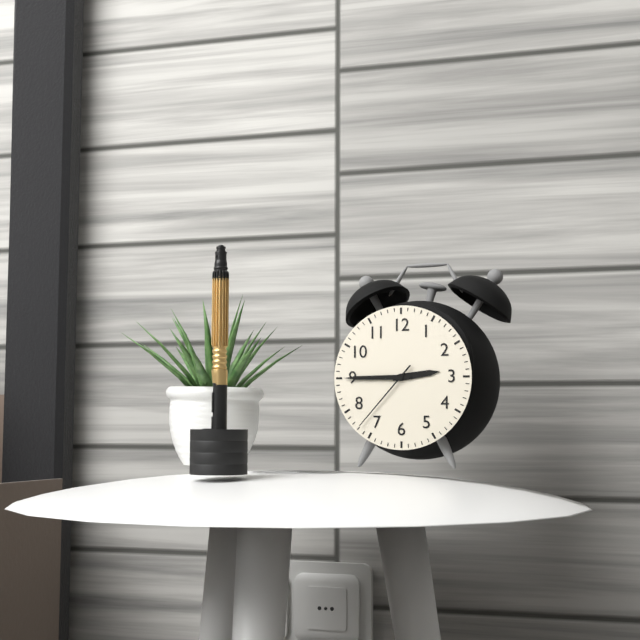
2.45.37
